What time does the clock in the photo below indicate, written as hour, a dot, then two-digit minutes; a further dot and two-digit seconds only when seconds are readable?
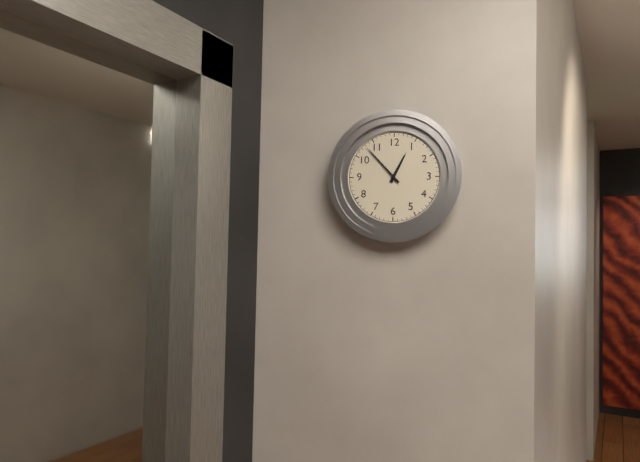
12.53
